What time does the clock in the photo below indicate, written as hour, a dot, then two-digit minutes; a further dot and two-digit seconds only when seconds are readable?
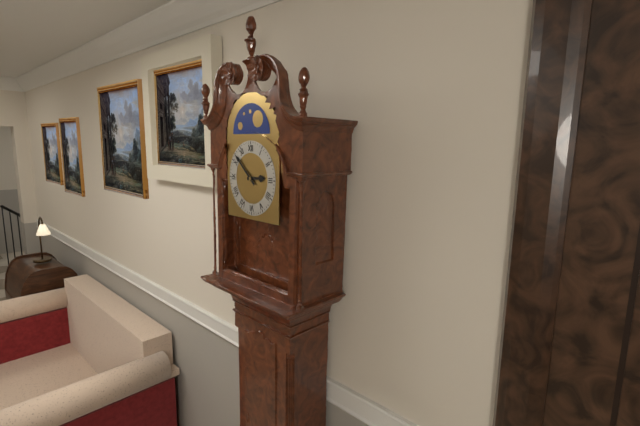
2.52
